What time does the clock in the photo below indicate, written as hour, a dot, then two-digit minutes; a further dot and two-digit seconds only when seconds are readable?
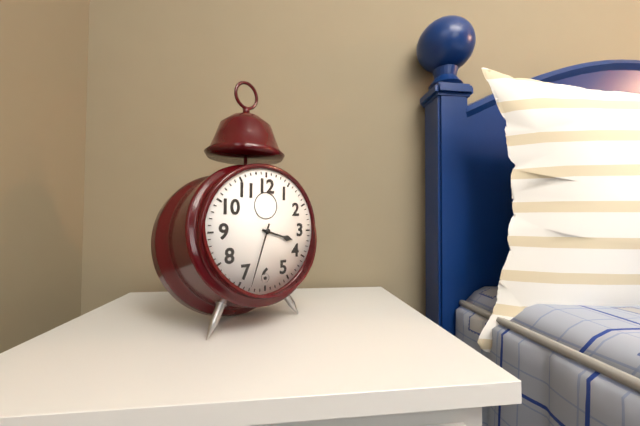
3.33
